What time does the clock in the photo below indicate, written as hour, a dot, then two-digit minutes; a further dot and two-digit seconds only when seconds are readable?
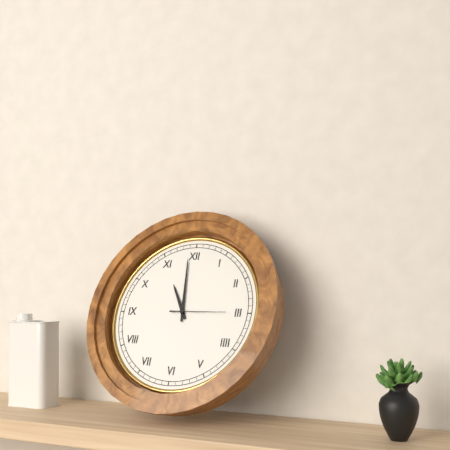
10.59.15
